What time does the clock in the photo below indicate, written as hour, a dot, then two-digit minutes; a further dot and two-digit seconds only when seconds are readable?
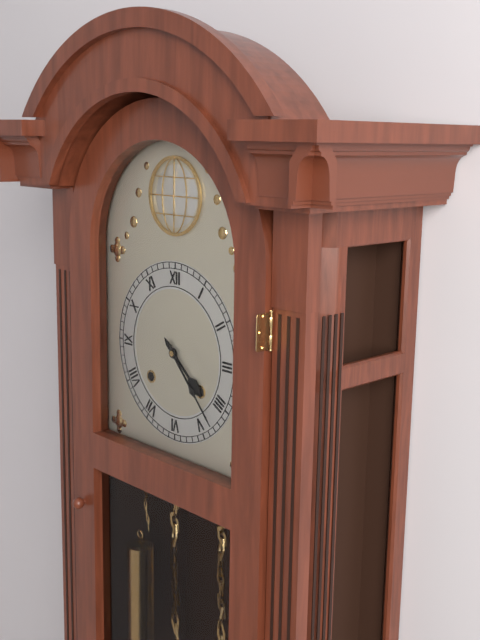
4.23
